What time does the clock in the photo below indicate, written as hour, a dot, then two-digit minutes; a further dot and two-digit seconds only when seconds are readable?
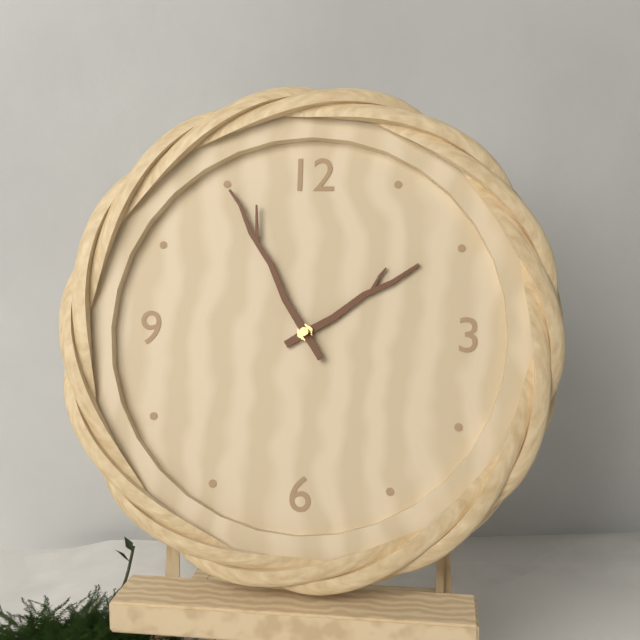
1.55
